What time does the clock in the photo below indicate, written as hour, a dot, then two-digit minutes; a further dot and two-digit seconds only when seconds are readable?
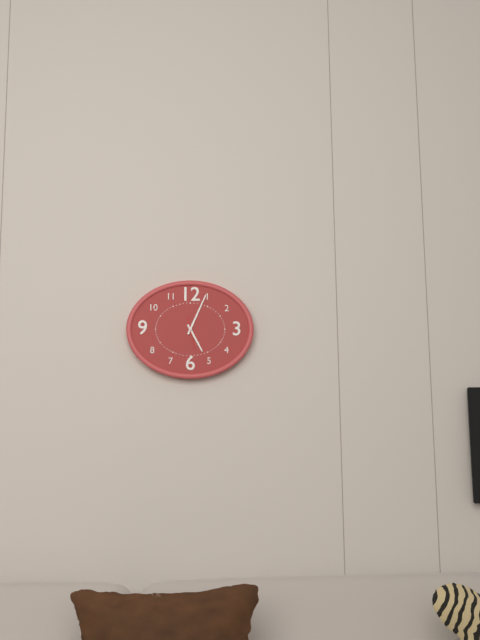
5.04
